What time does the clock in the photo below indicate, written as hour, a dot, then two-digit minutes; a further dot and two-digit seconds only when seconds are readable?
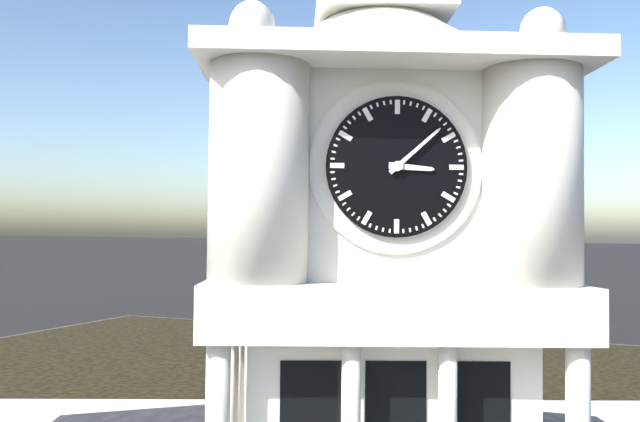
3.08
